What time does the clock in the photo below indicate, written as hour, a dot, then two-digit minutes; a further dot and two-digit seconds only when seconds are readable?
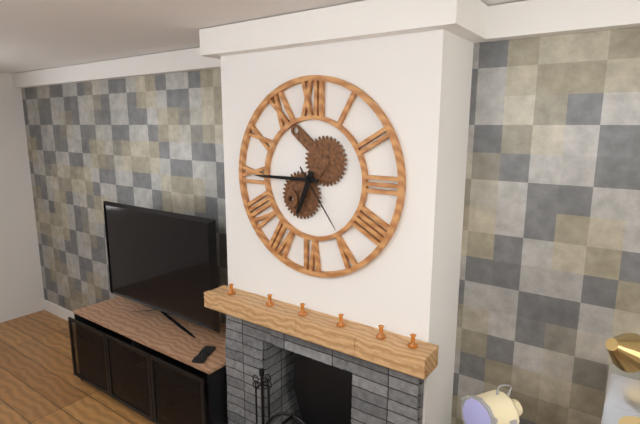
6.45.24
